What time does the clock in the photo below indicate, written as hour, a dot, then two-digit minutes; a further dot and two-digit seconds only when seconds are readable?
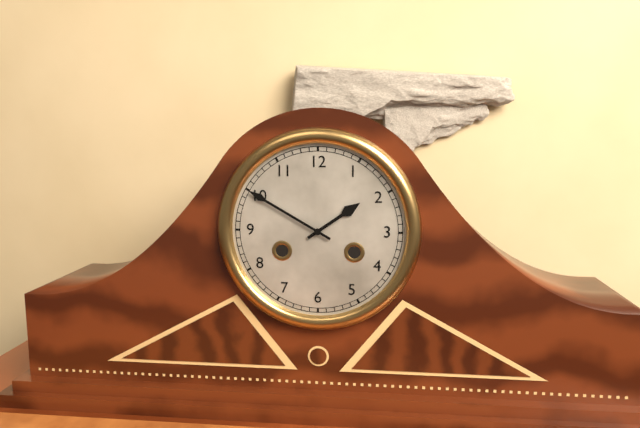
1.50
